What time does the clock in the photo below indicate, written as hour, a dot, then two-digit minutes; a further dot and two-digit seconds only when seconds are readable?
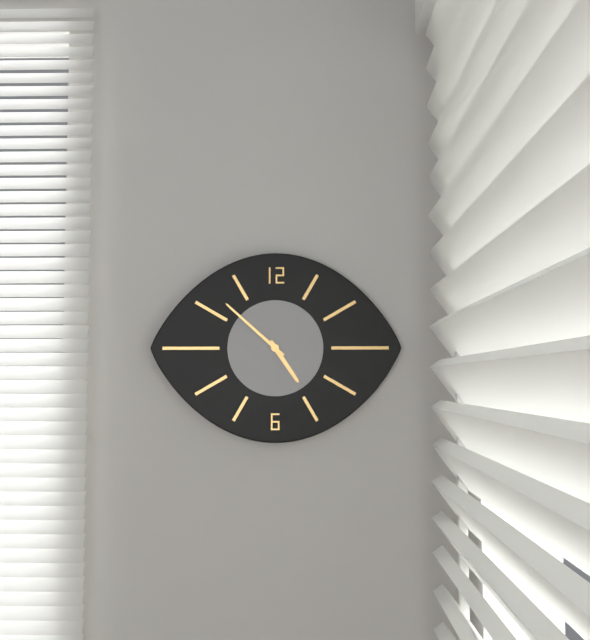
4.52
